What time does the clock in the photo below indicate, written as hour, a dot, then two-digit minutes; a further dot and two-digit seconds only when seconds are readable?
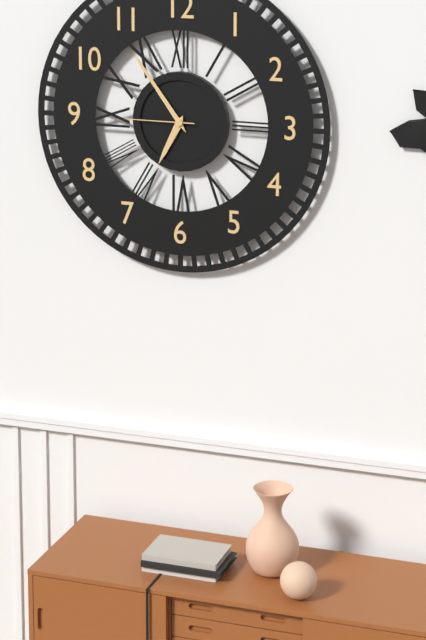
6.54.45
